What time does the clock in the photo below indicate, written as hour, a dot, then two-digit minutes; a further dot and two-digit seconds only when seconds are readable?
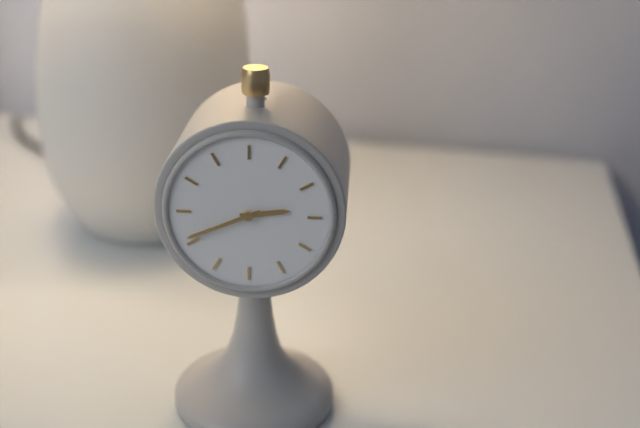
2.41
